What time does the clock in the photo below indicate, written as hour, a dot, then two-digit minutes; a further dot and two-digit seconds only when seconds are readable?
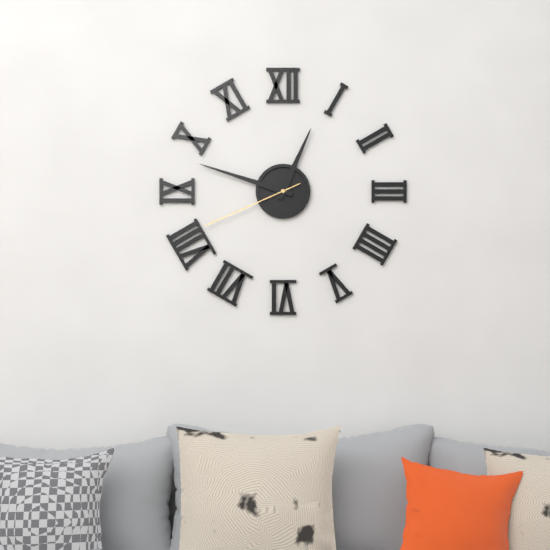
12.48.41
